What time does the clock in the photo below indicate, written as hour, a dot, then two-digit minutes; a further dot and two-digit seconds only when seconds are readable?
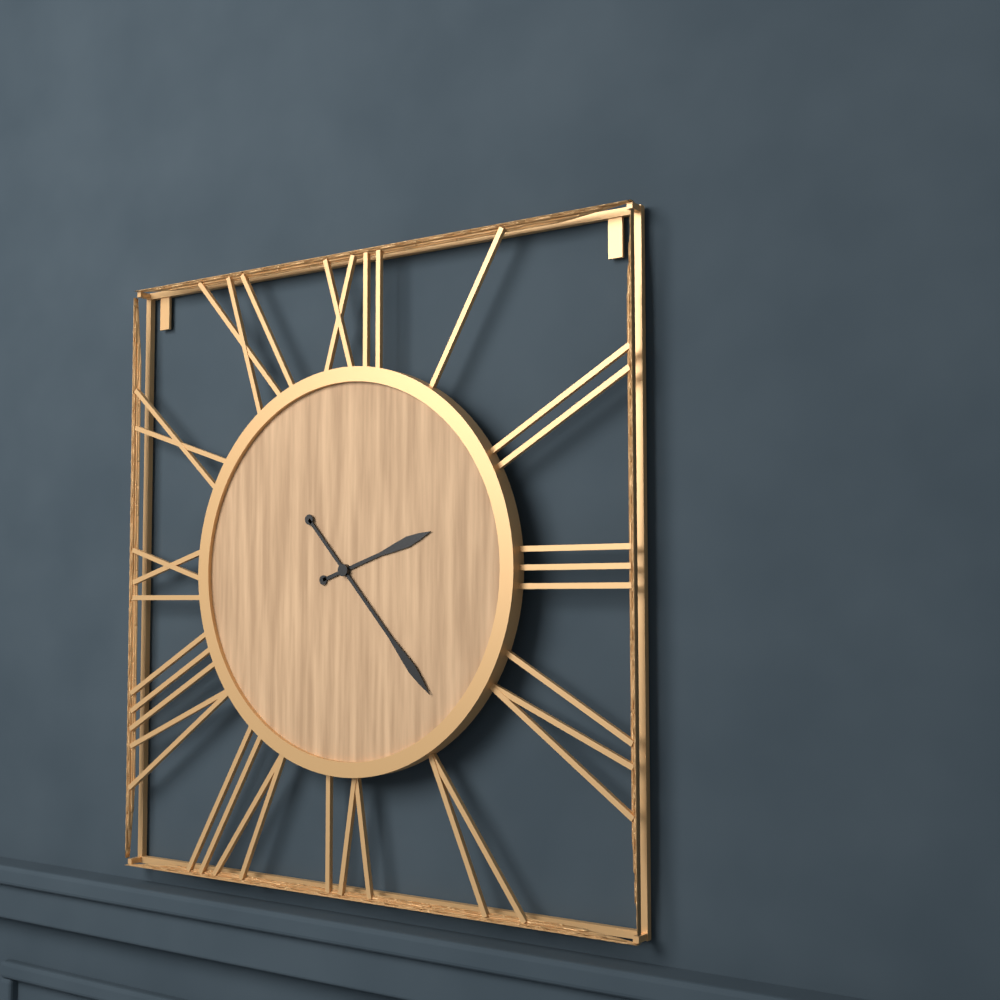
2.23
